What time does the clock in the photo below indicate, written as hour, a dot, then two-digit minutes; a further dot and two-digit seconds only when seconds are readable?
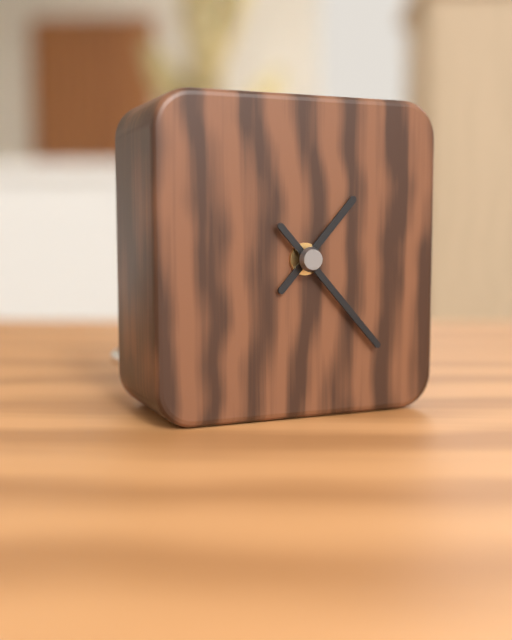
1.23
